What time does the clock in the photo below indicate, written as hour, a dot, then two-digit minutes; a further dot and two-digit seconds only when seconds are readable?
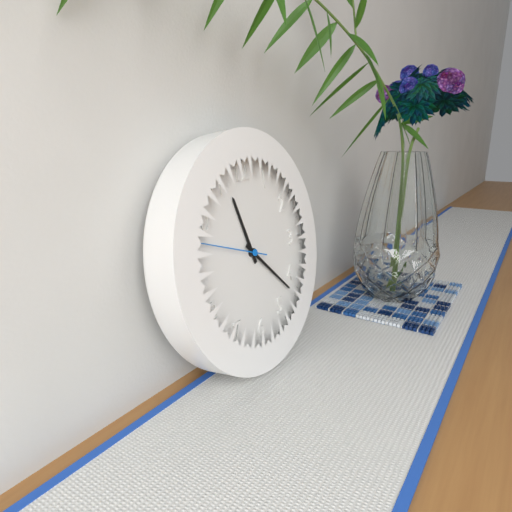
11.22.48
